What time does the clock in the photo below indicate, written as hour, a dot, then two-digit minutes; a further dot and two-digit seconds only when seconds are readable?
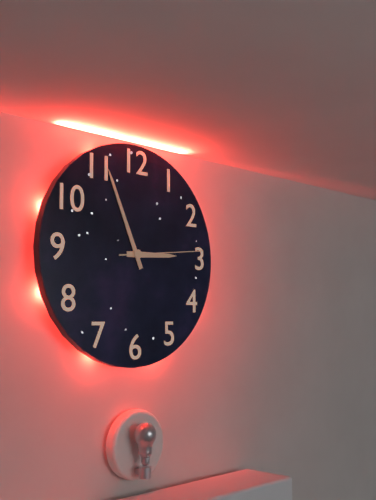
2.56.14
